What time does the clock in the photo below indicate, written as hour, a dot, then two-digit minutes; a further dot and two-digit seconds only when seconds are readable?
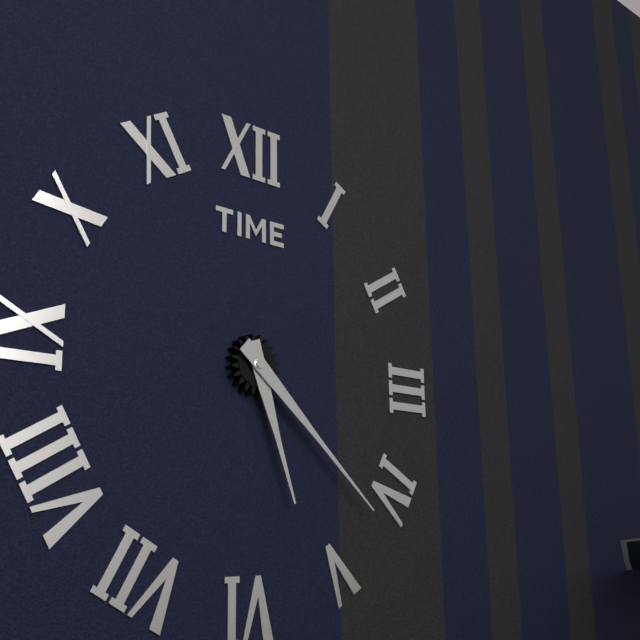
5.22
